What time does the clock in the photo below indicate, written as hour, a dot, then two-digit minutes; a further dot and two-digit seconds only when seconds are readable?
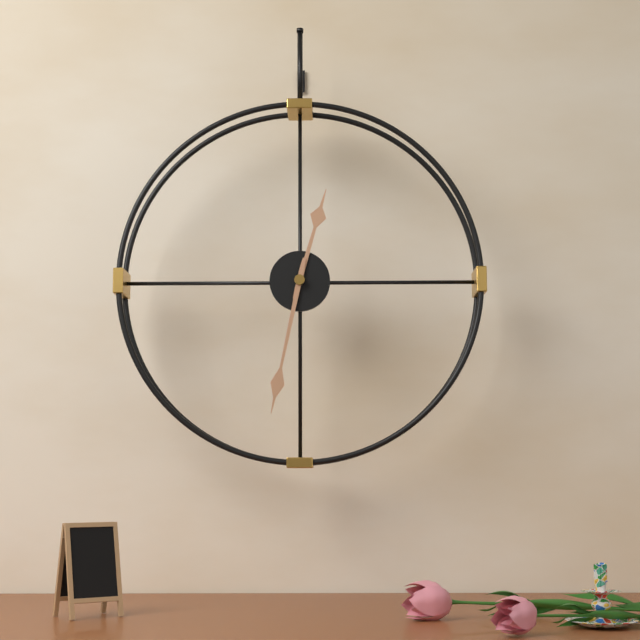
12.32
